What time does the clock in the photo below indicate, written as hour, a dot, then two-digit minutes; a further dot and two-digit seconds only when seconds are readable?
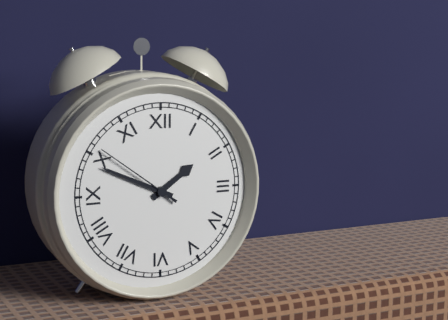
1.49.51
